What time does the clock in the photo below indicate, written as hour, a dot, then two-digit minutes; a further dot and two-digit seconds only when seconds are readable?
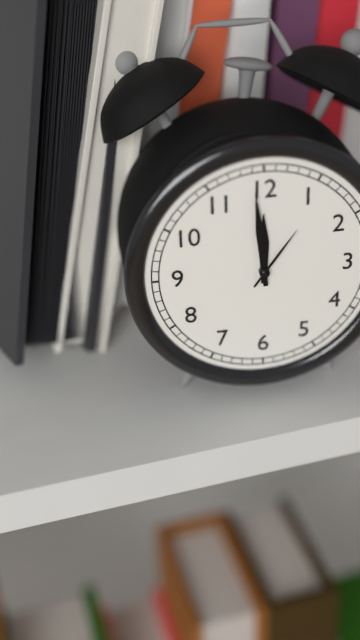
11.59.06
